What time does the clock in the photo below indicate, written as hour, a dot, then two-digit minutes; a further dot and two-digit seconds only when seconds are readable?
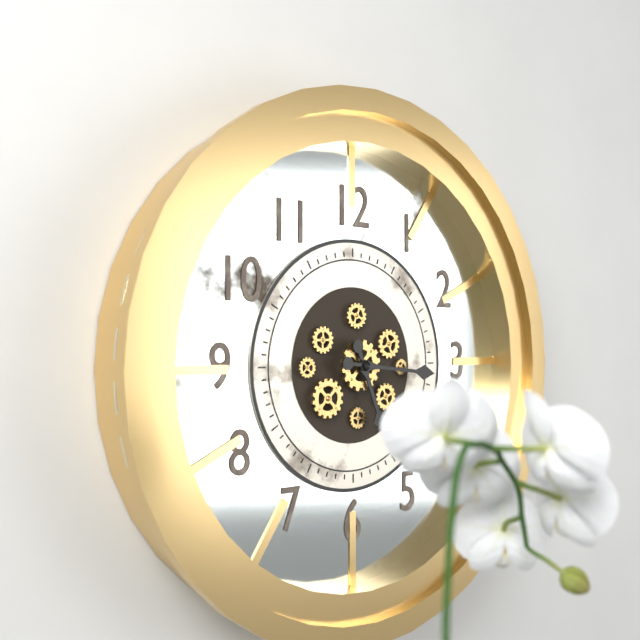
5.16
